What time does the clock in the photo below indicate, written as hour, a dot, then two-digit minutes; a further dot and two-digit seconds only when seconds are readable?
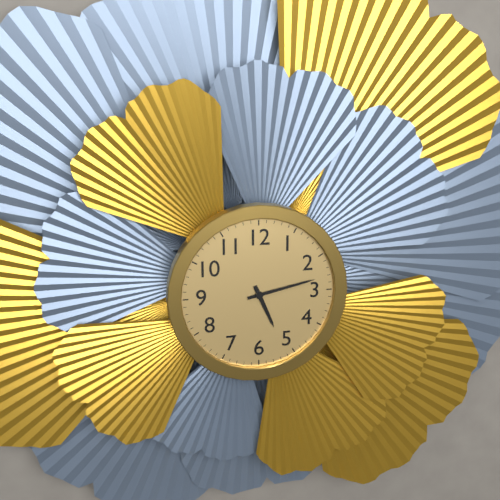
5.13
